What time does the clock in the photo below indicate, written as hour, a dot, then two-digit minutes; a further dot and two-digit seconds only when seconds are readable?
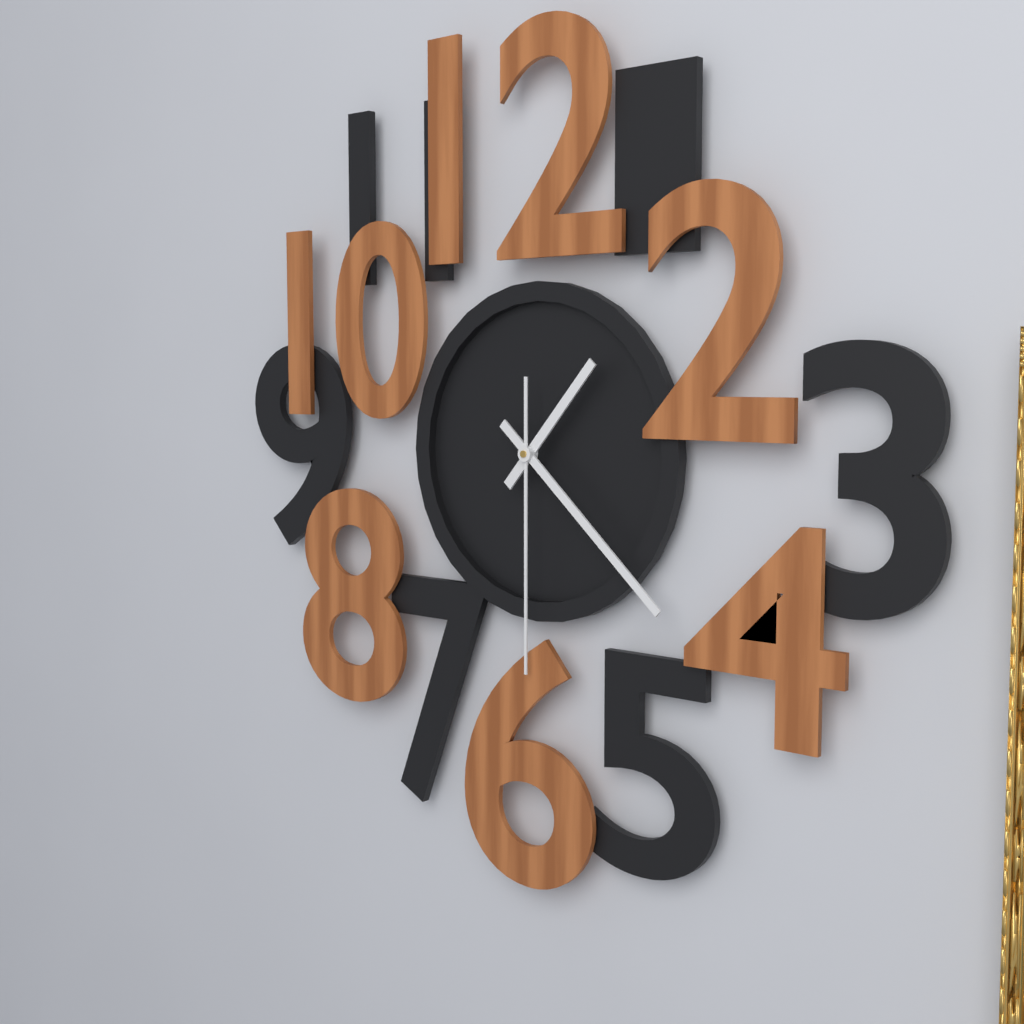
1.22.30
